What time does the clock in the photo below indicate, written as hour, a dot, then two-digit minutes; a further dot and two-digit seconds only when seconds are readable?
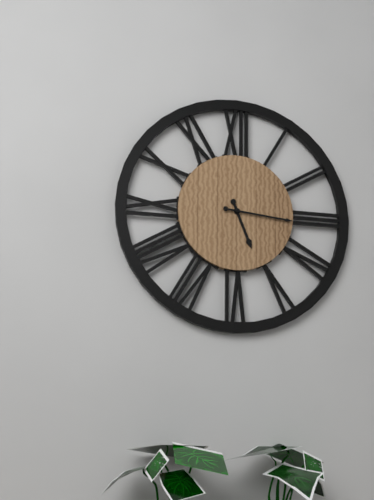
5.16
